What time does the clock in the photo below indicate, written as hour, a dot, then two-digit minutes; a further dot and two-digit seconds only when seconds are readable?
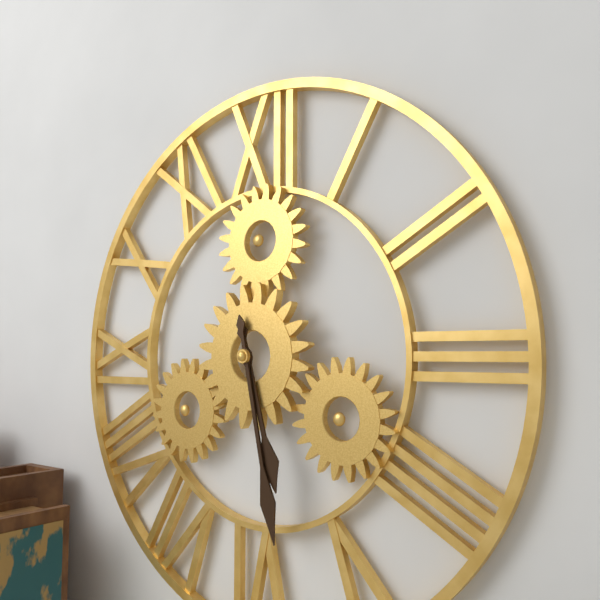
5.28
